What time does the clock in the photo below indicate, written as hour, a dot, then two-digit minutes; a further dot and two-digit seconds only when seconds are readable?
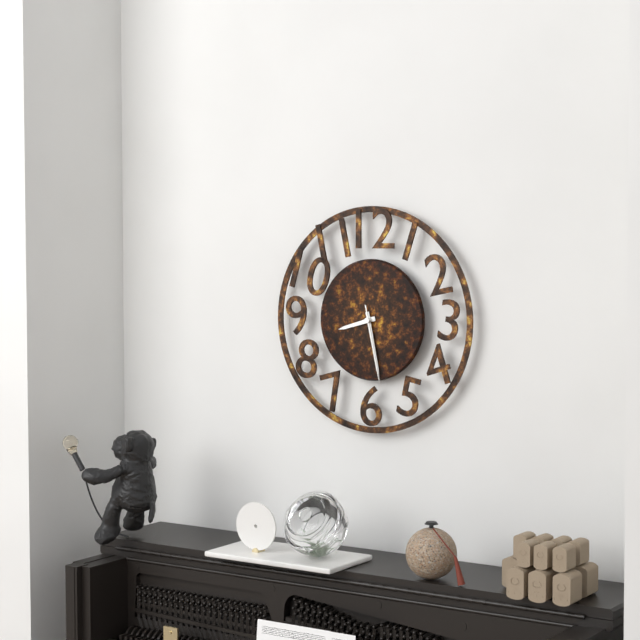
8.28.28
